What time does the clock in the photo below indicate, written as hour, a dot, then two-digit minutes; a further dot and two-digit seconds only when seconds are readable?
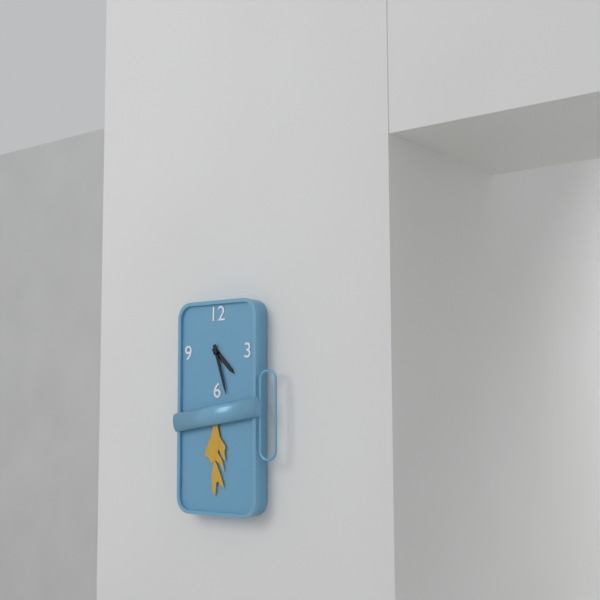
4.27
